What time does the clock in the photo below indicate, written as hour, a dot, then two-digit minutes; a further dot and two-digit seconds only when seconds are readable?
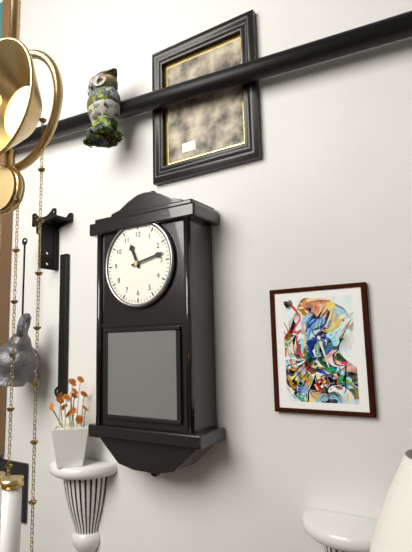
11.13
